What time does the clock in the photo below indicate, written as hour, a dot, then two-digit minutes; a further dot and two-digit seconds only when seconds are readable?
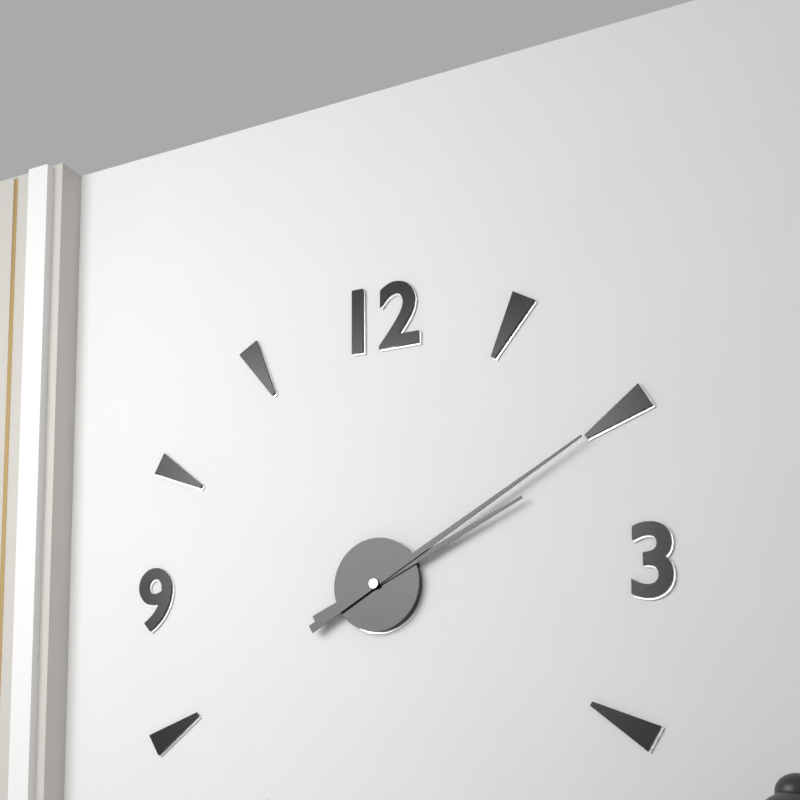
2.10
